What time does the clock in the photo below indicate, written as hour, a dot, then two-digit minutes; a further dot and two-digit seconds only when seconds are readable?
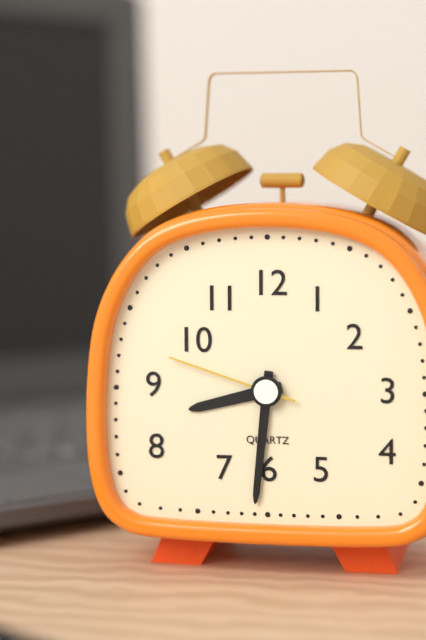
8.31.48
